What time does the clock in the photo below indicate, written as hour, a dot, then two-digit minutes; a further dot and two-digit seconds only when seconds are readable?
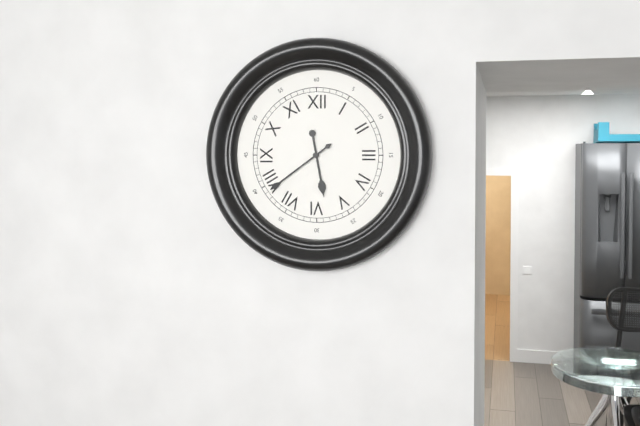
5.39
